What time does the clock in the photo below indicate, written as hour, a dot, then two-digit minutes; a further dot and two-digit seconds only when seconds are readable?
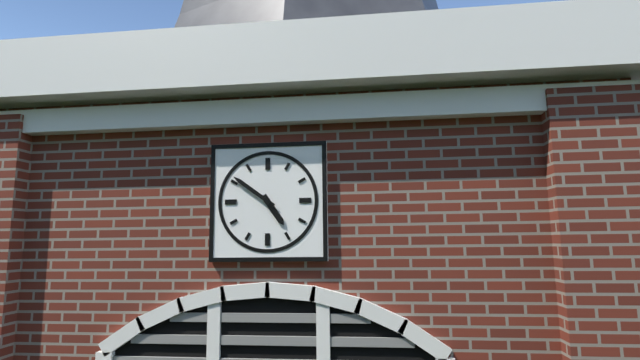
4.51
